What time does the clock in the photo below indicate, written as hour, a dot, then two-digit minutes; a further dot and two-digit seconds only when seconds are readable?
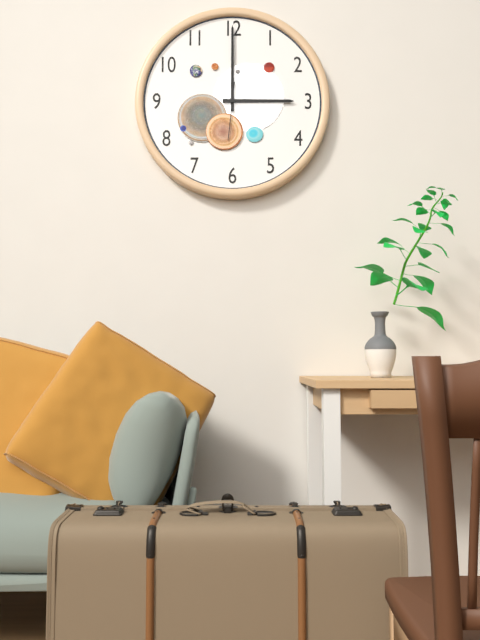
3.00.31
